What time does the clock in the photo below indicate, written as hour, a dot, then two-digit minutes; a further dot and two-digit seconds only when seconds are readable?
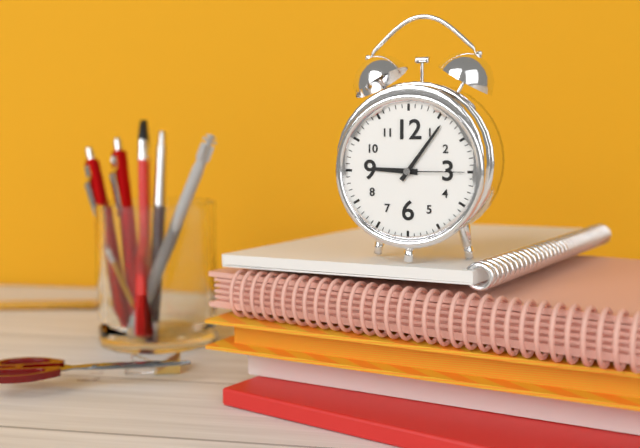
9.06.15
